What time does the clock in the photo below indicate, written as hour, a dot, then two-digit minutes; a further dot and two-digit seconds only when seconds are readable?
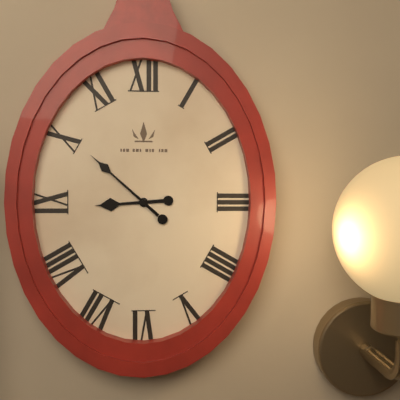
8.52
